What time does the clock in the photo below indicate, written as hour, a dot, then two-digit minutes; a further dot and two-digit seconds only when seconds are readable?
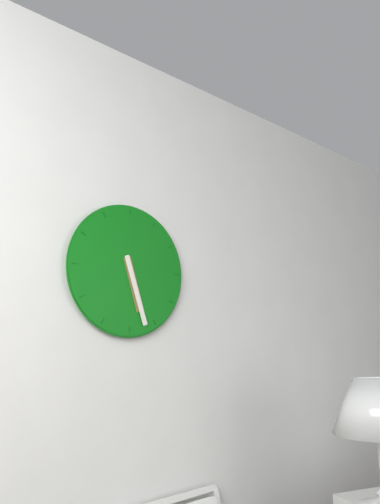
5.27
